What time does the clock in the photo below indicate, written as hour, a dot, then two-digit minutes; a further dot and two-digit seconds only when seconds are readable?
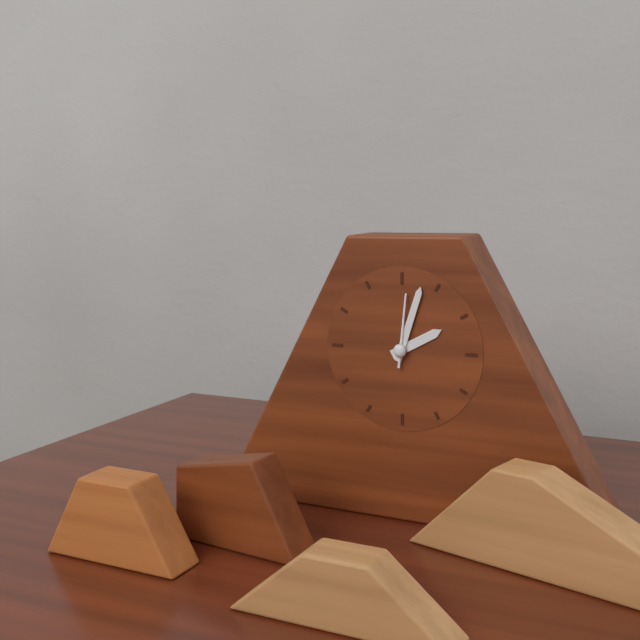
2.03.01
